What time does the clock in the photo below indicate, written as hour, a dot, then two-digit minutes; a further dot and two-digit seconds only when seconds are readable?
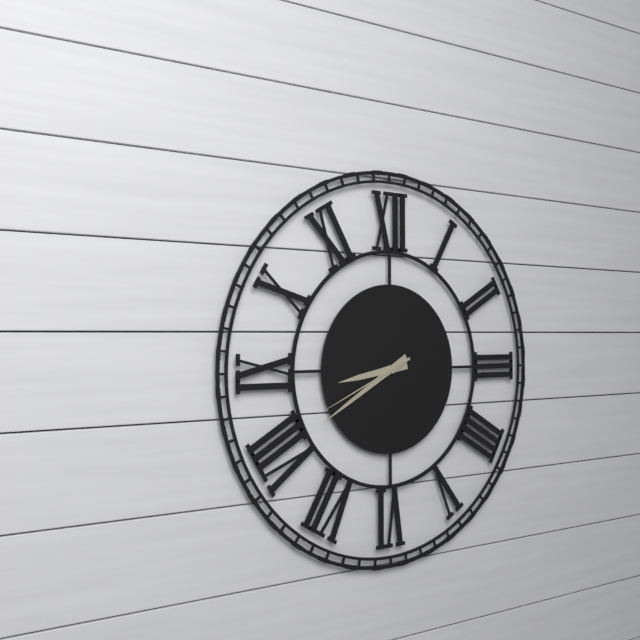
8.40.41
